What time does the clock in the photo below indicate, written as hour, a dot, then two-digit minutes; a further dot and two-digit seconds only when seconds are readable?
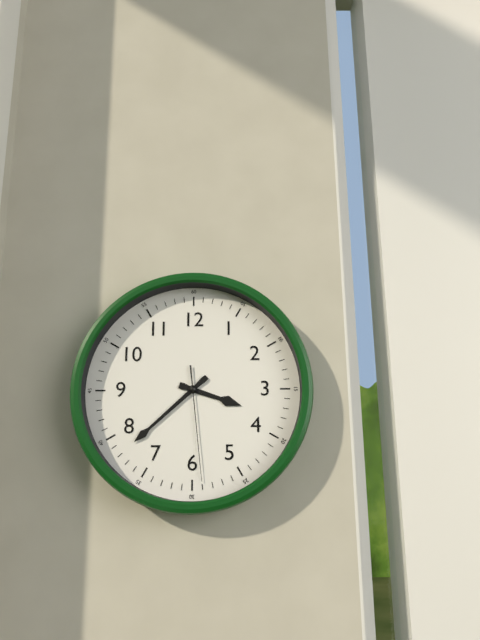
3.38.29
